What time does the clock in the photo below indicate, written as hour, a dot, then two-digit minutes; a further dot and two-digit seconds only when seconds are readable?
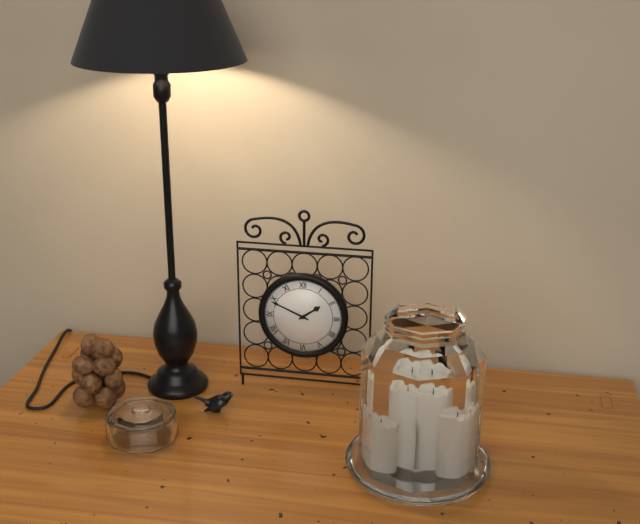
1.49
